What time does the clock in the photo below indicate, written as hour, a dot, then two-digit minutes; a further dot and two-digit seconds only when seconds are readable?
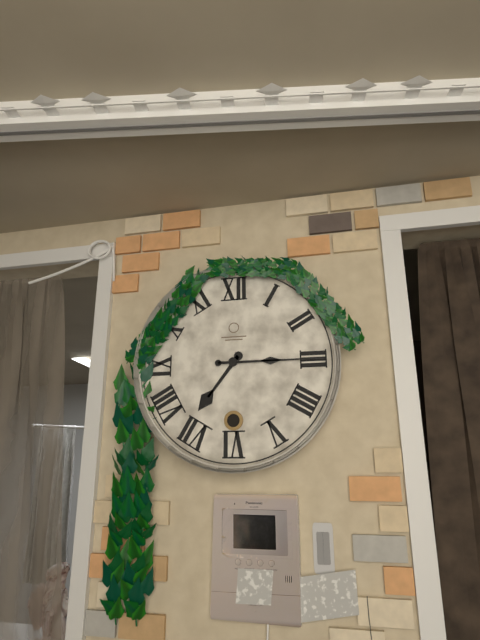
7.15
